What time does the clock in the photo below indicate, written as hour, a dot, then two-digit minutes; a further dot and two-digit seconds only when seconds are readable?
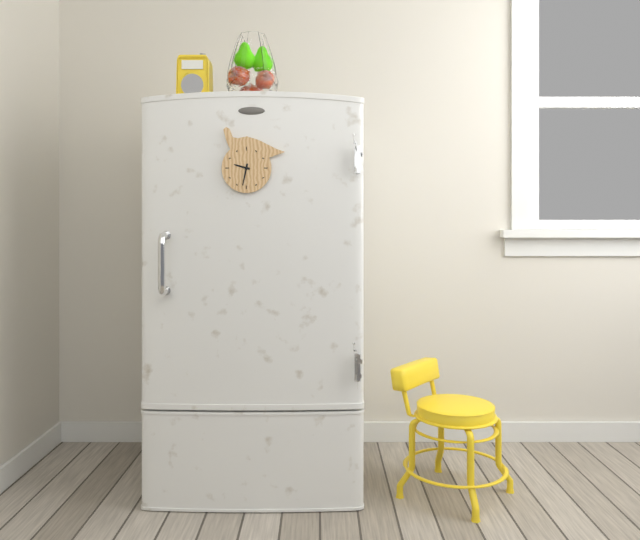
9.32
